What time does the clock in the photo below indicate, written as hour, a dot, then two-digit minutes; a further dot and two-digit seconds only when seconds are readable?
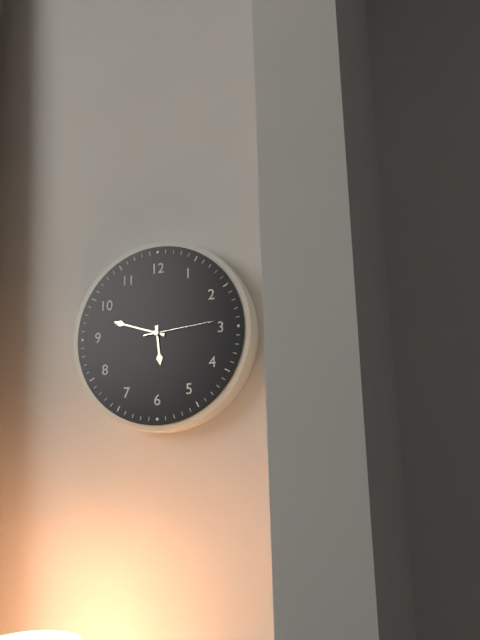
5.48.14
